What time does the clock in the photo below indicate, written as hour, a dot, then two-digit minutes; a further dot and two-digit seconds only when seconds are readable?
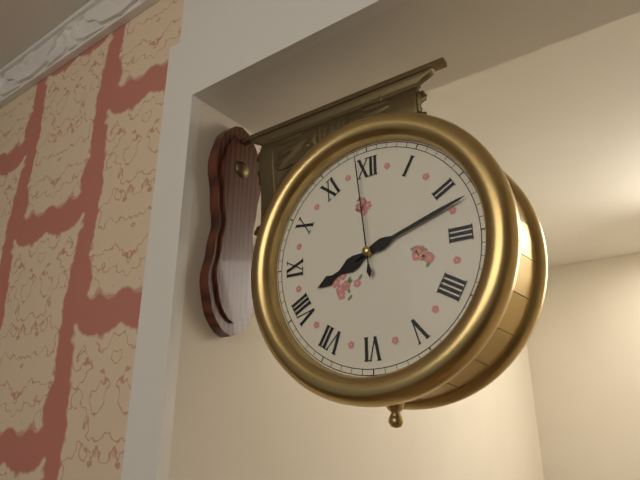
8.12.59
